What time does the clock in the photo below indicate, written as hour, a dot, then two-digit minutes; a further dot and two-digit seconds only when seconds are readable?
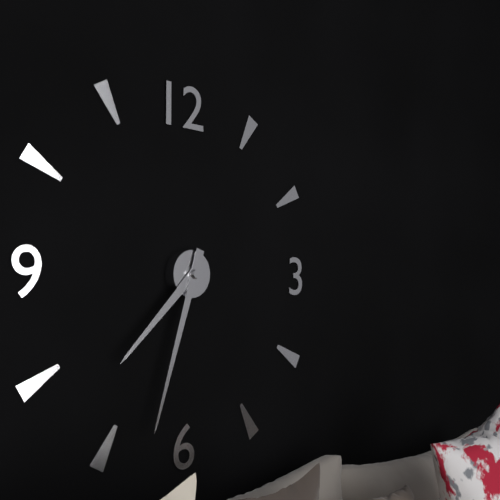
7.33
